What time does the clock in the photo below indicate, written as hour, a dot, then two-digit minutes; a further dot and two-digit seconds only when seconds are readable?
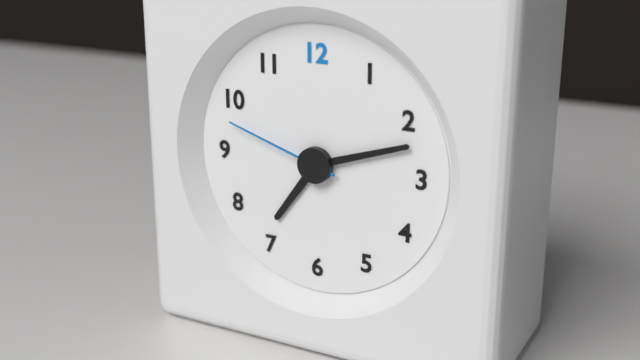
7.12.48
